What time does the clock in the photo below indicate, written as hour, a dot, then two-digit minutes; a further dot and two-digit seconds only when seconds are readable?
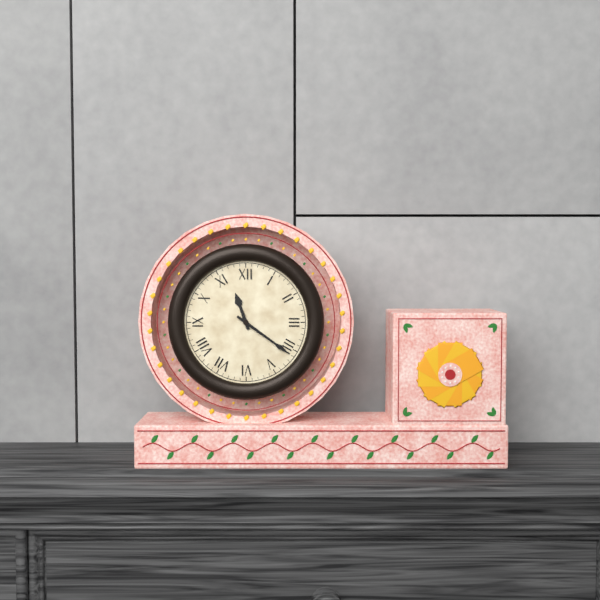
11.21
